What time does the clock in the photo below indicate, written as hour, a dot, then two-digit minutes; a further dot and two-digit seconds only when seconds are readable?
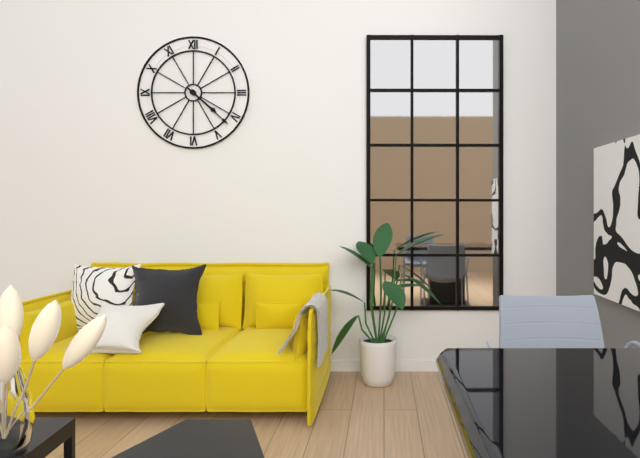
4.22
